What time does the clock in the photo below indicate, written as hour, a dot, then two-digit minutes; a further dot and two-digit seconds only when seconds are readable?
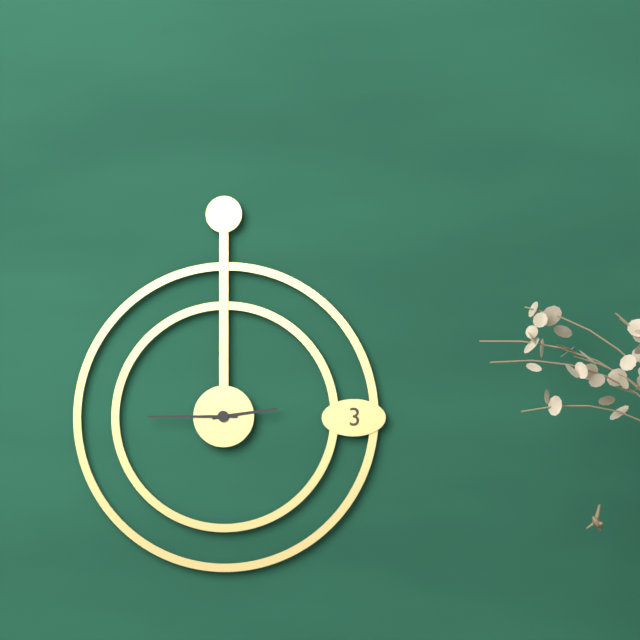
2.45
